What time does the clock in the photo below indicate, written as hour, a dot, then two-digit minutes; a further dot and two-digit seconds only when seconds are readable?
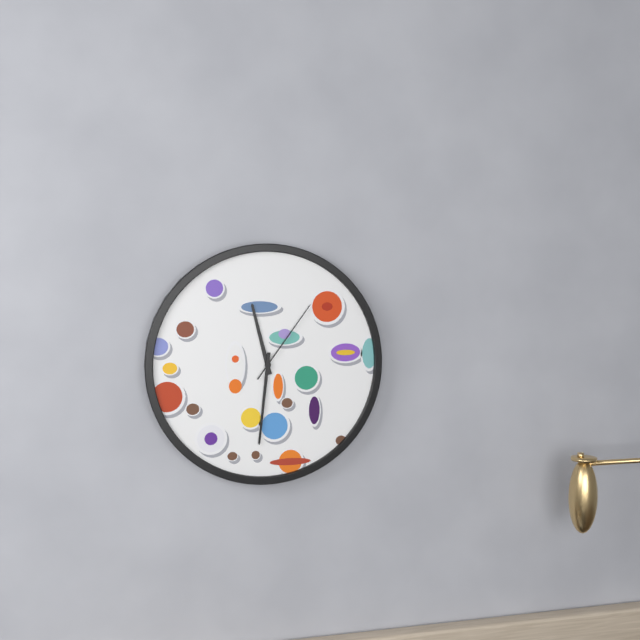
11.31.06
